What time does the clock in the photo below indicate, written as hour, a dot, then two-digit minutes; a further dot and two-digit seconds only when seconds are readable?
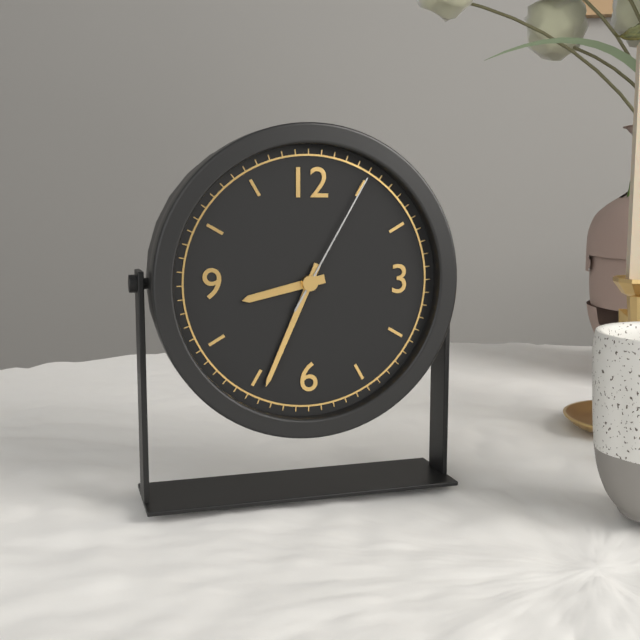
8.34.05
